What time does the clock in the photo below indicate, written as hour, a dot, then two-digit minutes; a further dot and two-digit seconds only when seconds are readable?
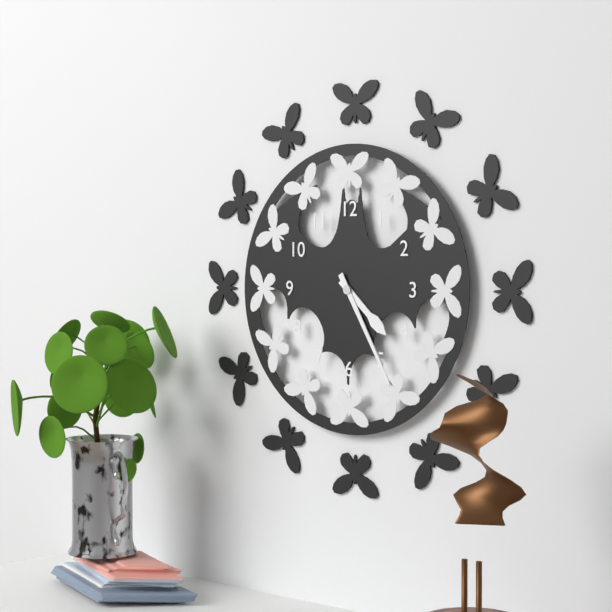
4.25
